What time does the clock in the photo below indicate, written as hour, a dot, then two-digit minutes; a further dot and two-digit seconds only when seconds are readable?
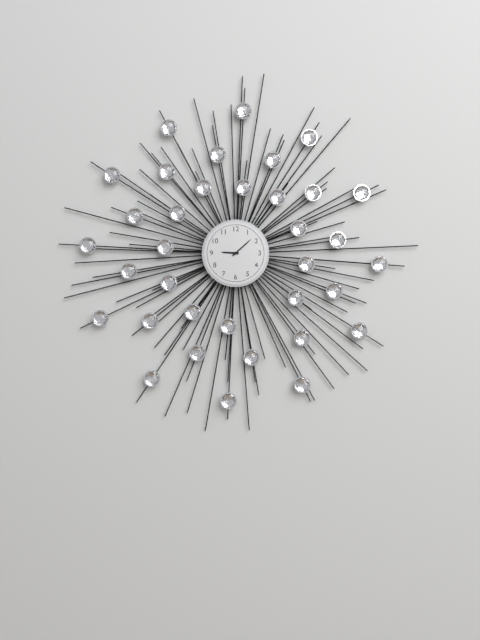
9.08
